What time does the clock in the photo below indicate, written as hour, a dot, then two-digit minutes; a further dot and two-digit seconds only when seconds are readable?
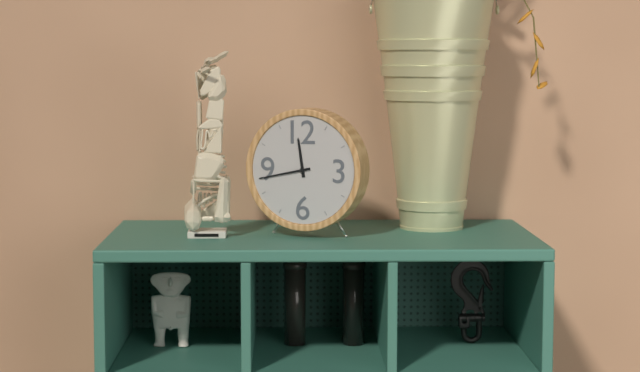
11.43
